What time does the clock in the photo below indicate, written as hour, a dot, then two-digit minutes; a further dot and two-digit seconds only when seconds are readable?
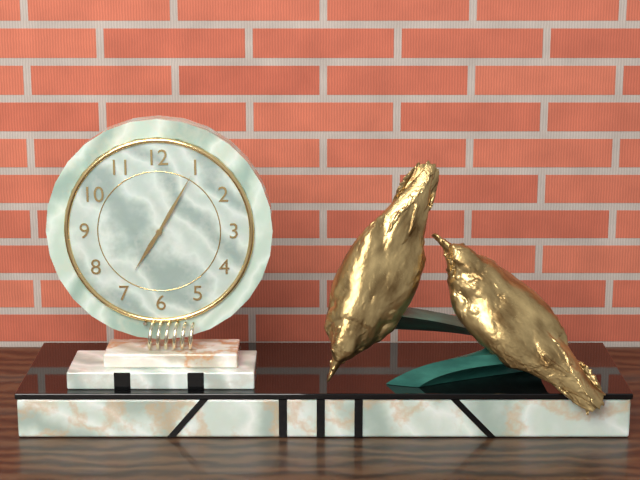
7.05
